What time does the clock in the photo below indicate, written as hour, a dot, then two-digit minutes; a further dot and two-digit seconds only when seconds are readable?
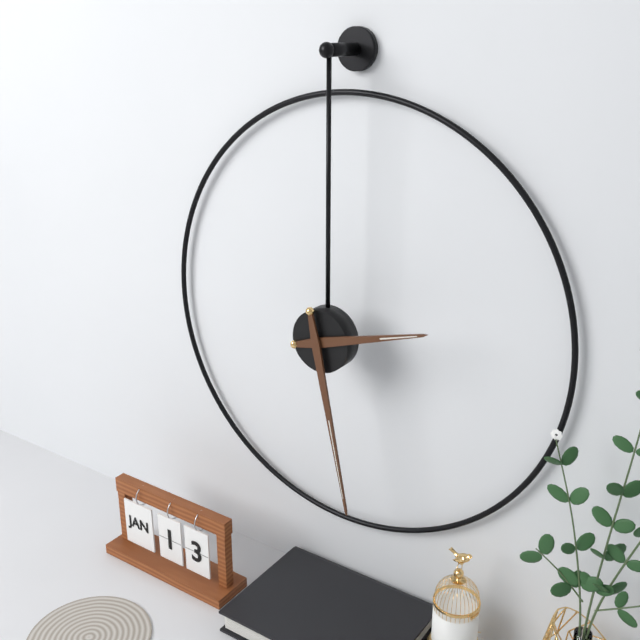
2.28
